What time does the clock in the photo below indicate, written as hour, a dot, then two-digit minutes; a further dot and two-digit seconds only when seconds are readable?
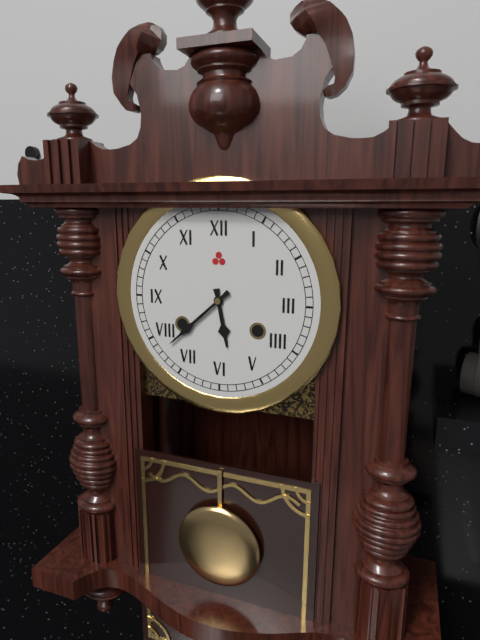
5.38
